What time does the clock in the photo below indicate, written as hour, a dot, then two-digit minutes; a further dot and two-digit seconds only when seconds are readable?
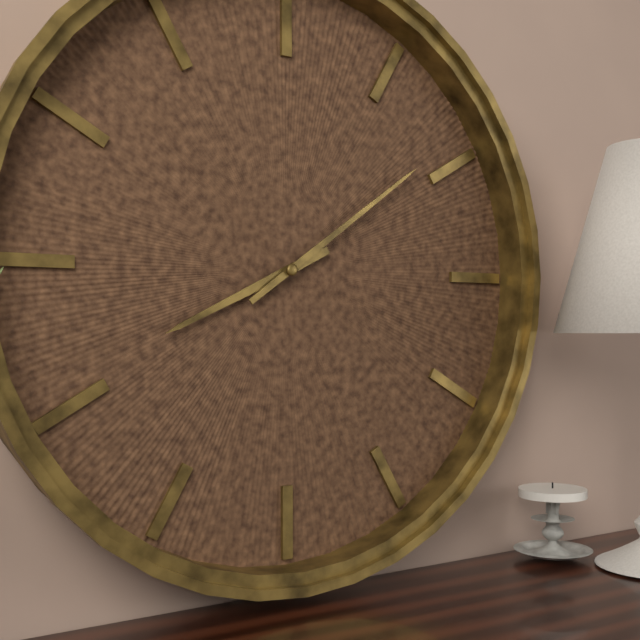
8.09
